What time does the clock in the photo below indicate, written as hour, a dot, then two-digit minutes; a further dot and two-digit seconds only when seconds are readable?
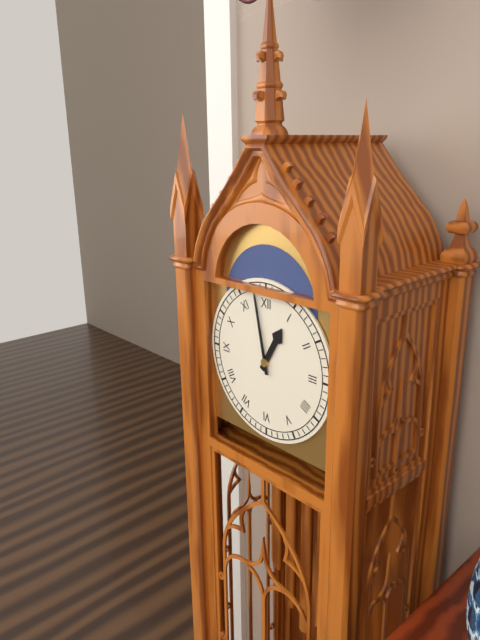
12.58
